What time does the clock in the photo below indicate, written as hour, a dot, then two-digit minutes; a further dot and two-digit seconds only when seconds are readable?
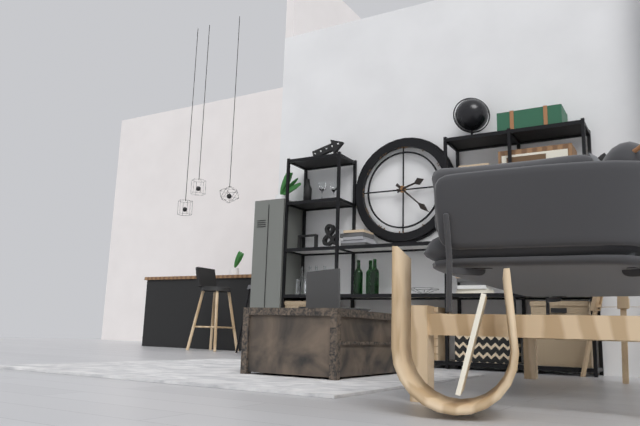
2.22
